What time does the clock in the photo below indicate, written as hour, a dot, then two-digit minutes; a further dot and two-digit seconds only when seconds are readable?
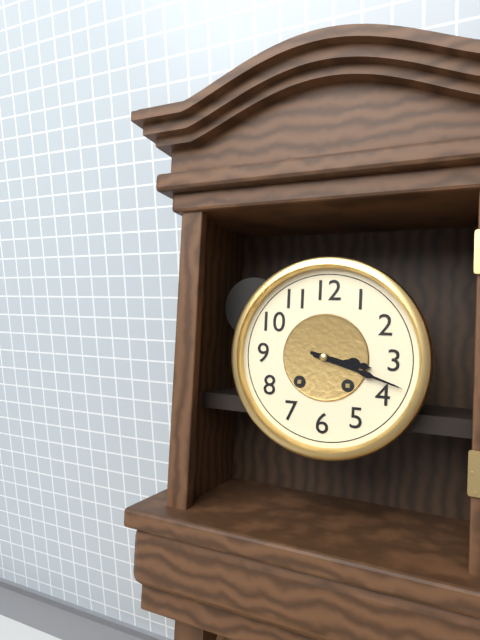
3.18
